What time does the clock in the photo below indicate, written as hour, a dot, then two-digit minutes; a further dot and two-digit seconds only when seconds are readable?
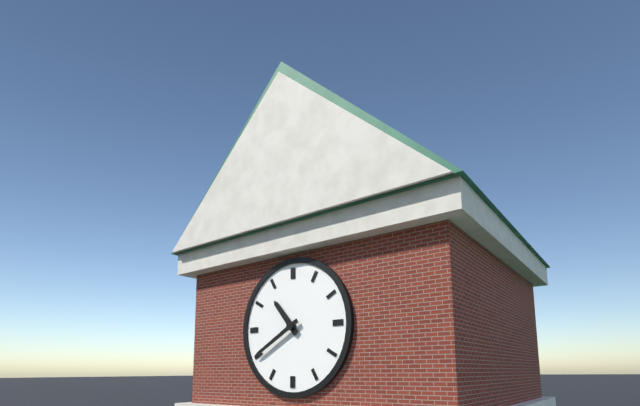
10.40
